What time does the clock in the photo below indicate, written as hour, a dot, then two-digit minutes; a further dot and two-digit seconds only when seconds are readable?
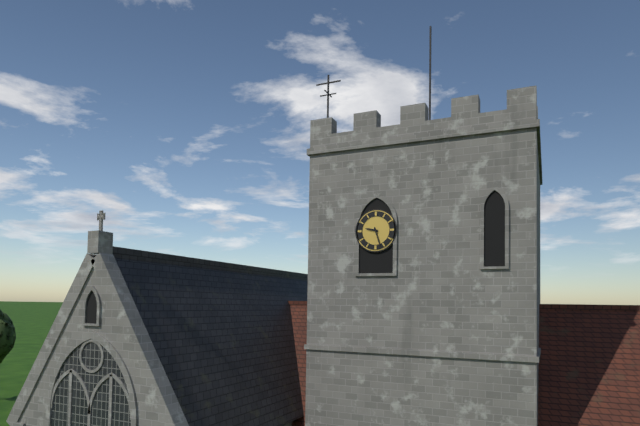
9.27
